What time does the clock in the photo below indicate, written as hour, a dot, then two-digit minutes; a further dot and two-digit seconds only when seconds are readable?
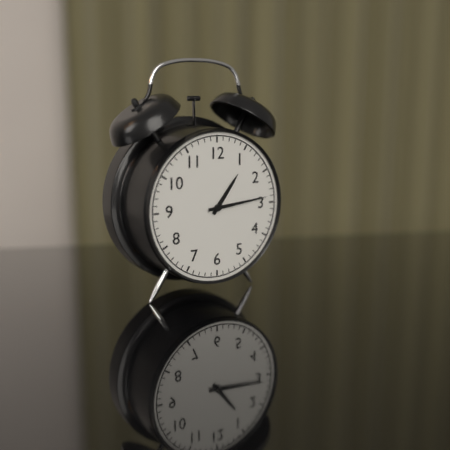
1.14
